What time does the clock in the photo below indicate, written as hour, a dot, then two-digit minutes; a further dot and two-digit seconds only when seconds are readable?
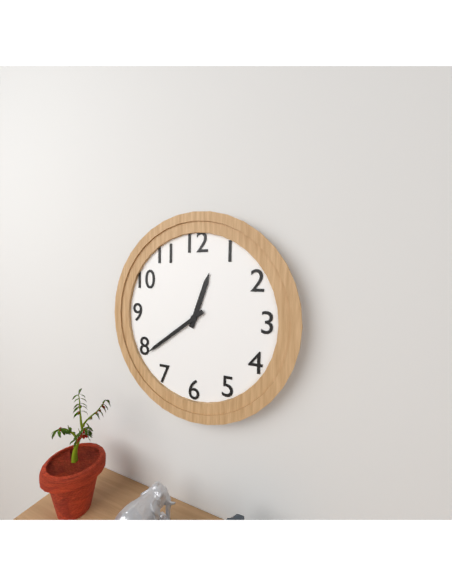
12.39
